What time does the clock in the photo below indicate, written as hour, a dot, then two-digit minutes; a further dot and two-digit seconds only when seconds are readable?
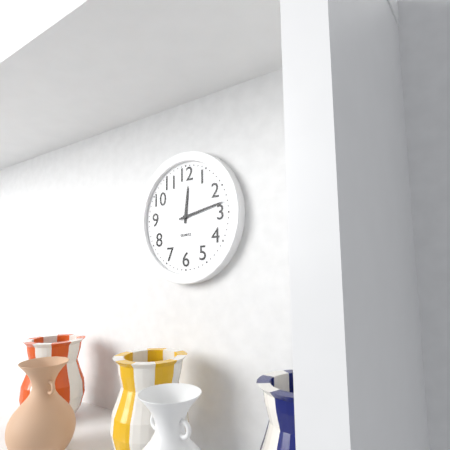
12.13
